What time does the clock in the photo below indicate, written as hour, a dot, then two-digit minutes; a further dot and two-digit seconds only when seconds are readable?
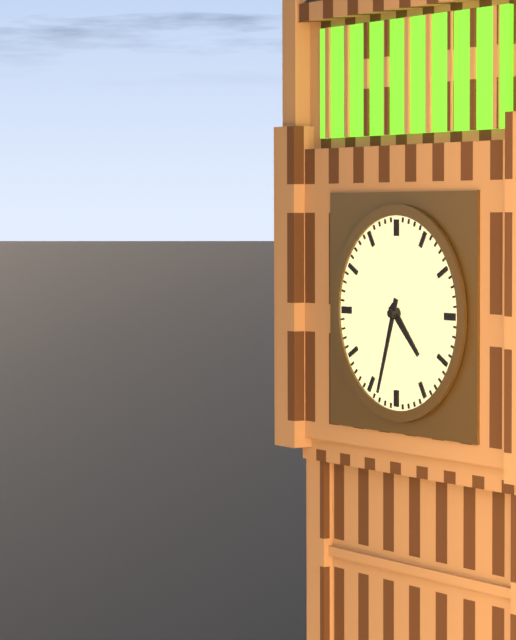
4.33
